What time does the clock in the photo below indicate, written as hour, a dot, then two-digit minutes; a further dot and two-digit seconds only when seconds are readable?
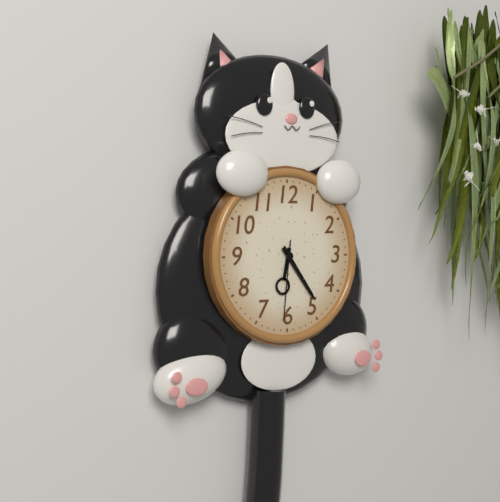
6.24.31
